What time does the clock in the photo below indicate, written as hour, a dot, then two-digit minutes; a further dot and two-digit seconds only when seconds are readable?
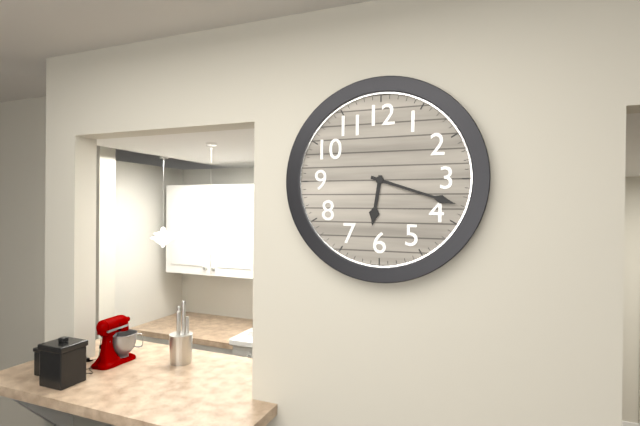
6.18
